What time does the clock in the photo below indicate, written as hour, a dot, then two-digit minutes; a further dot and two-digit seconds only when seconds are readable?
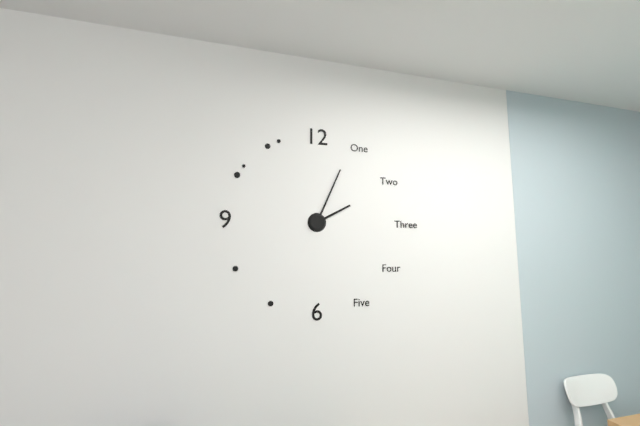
2.04
